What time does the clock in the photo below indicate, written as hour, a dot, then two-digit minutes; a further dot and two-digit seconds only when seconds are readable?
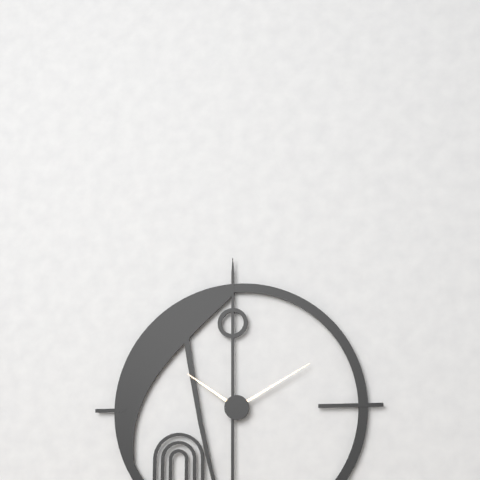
10.10
